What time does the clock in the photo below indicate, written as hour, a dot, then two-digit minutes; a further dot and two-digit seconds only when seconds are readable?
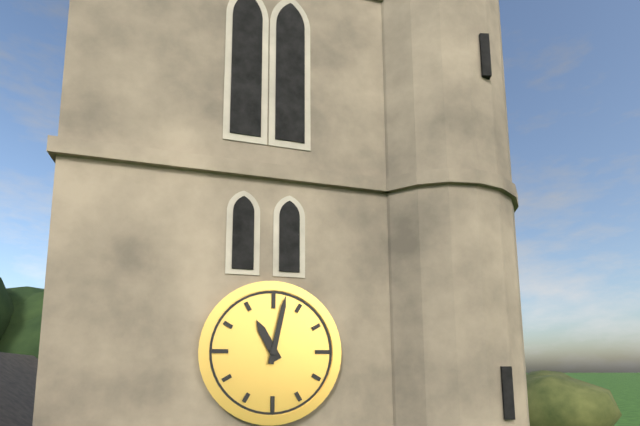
11.02
